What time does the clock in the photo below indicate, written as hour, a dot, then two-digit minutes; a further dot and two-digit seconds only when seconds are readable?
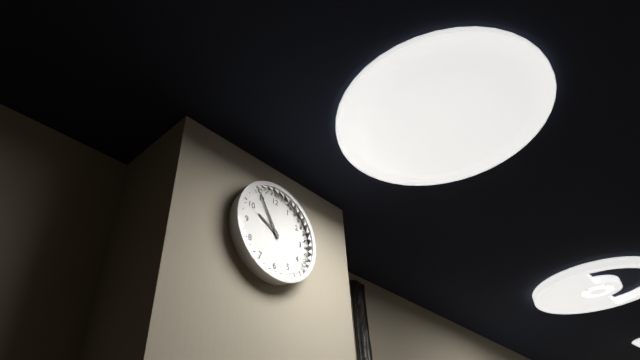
9.55
